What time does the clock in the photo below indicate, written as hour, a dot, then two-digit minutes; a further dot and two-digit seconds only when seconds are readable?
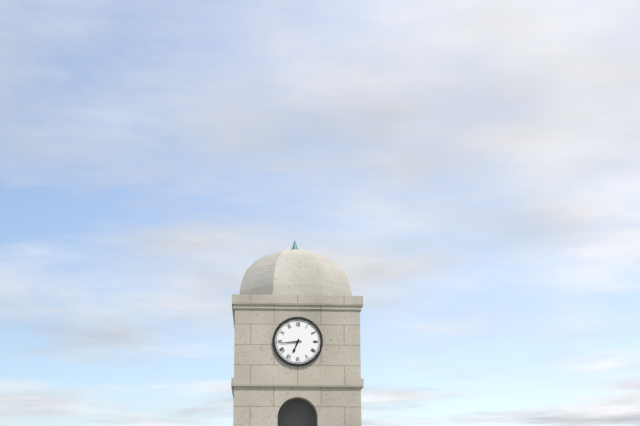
6.44
